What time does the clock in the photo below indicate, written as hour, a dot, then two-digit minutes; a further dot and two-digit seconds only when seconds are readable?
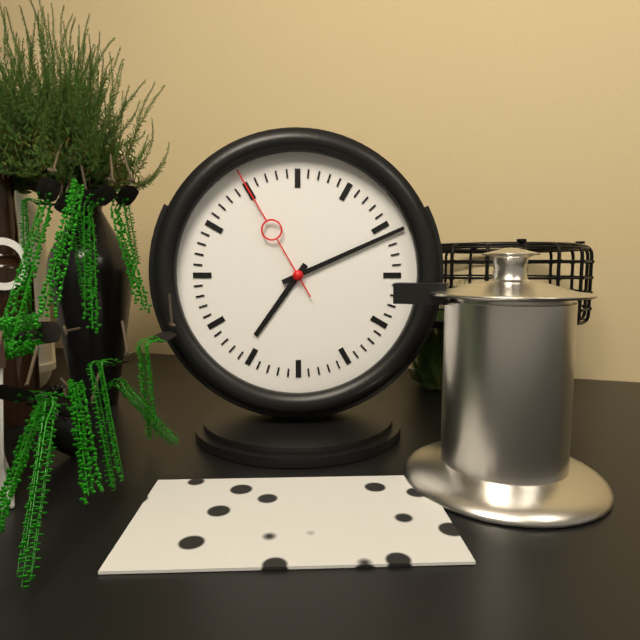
7.11.55
